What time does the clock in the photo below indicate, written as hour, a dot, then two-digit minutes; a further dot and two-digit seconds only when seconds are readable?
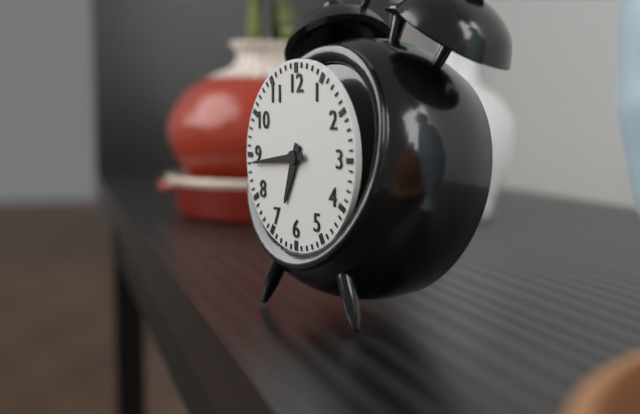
6.44
